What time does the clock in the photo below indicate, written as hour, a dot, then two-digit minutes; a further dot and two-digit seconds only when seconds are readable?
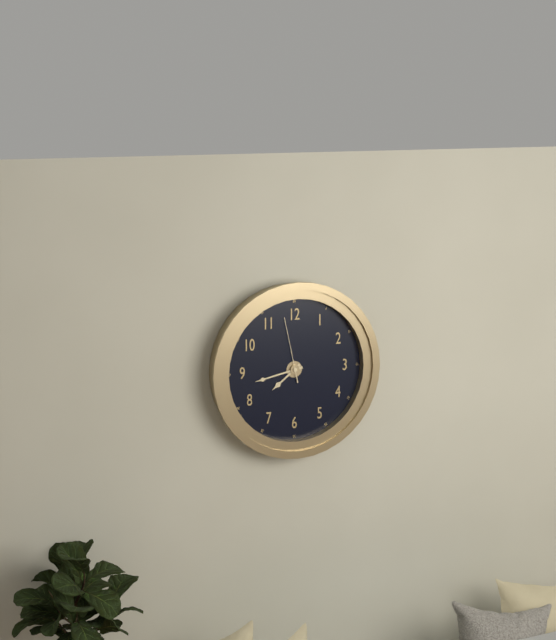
7.43.58
